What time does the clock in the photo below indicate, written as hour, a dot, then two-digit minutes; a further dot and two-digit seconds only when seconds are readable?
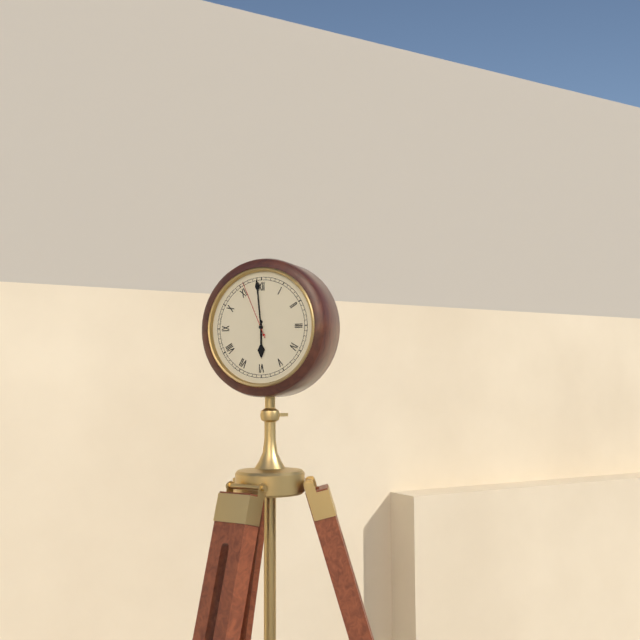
5.59.56
